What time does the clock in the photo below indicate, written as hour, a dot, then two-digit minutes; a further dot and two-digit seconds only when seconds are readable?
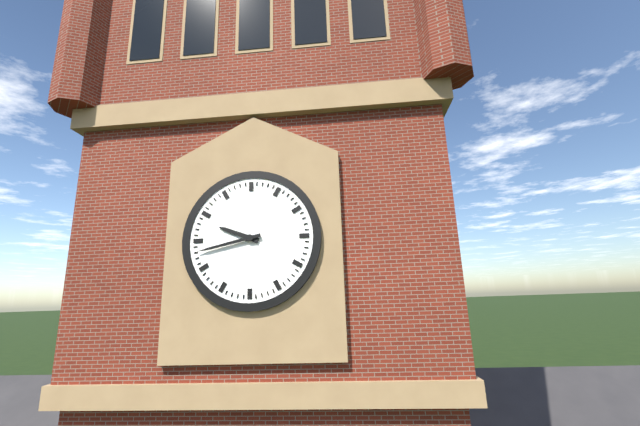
9.43
